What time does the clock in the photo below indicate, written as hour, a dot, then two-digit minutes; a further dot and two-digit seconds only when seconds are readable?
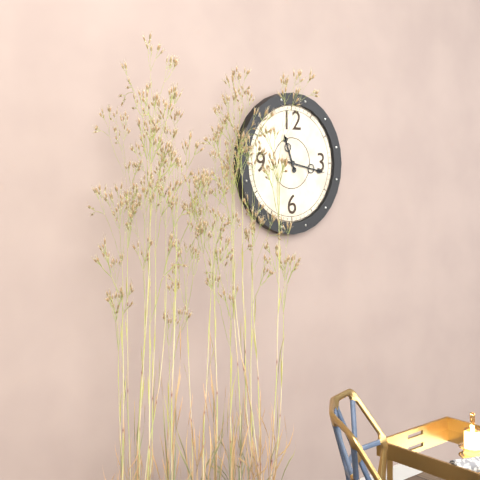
11.17
